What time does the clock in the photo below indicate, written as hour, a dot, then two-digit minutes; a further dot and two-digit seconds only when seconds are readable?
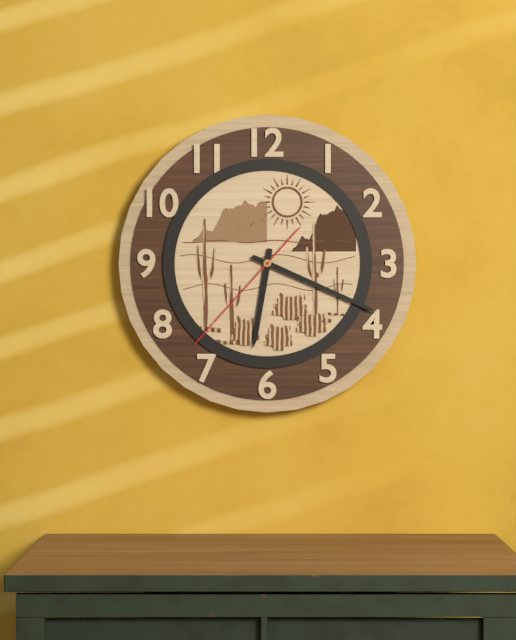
6.19.37
